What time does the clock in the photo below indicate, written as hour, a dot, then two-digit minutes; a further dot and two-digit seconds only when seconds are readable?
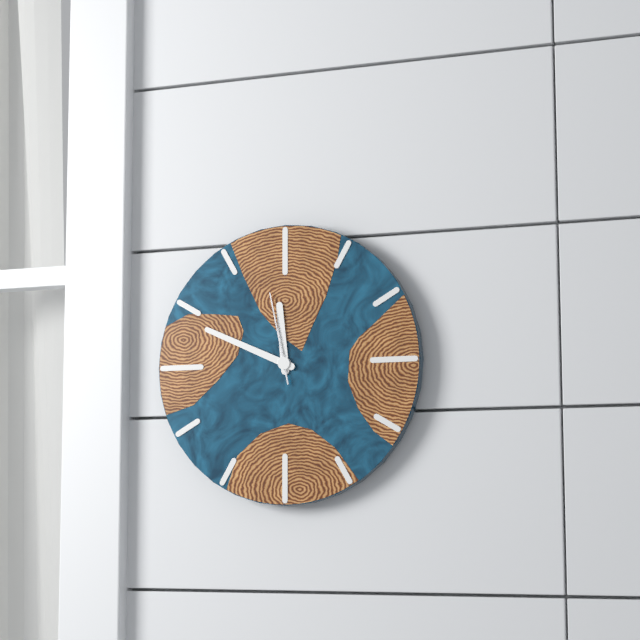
11.49.58
